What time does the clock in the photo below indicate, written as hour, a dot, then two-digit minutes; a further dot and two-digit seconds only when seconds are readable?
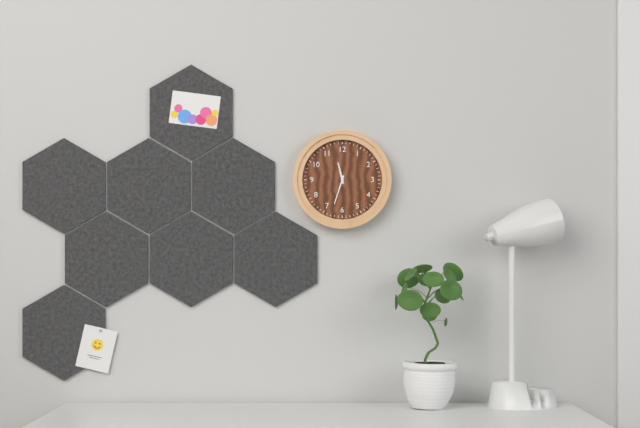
11.33
